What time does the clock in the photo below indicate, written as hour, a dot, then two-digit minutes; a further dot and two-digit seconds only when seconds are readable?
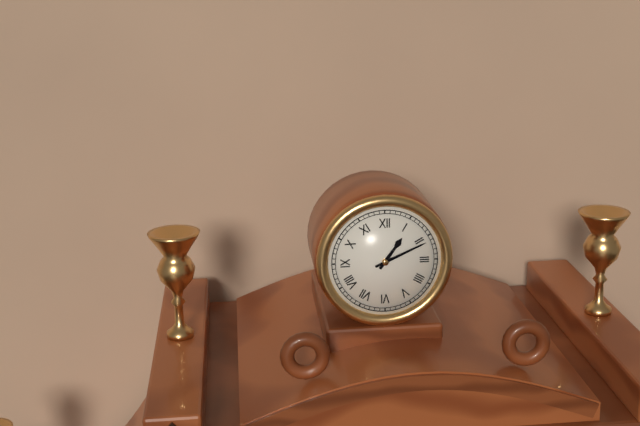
1.11
